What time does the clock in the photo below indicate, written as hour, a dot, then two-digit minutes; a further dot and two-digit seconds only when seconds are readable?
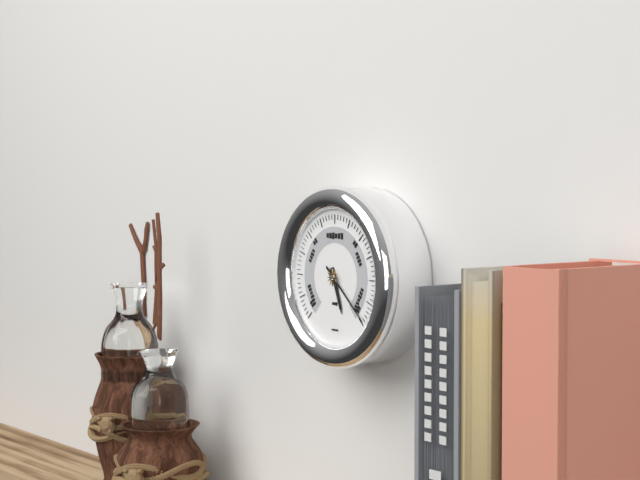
5.22
